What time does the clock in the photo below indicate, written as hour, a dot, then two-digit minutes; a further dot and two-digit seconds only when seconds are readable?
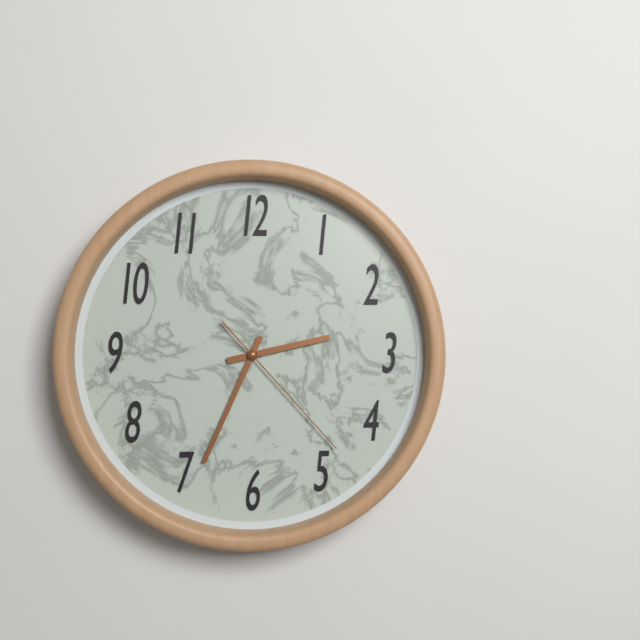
2.34.23
